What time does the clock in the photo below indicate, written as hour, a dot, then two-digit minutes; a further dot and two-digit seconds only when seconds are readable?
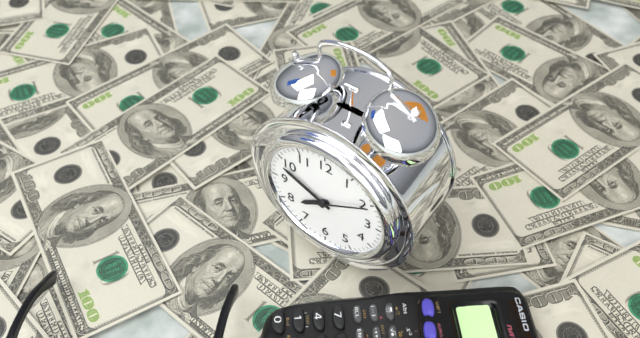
7.49.10
